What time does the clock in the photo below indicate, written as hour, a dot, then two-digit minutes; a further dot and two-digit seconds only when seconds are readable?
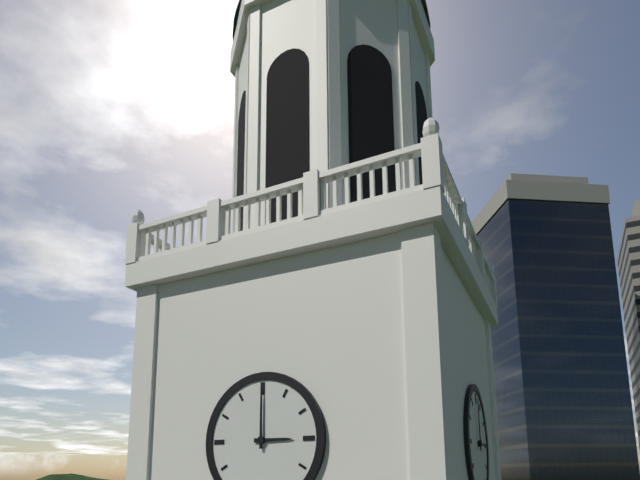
3.00
